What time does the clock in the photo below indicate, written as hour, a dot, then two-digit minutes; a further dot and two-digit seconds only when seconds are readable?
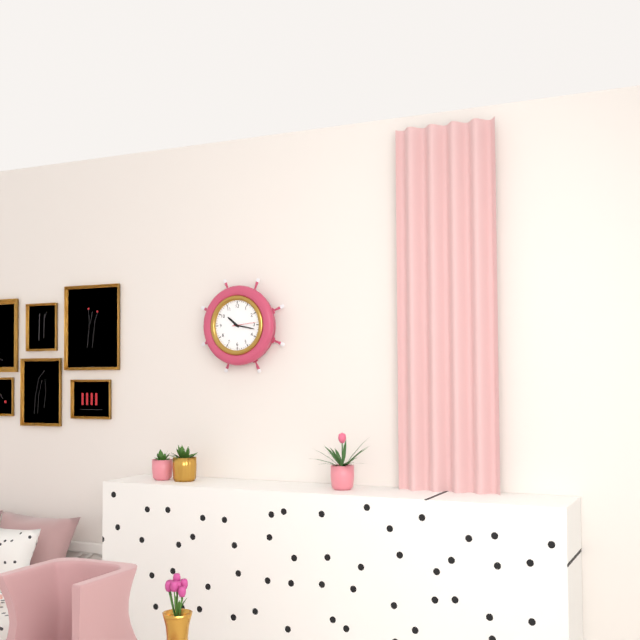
10.17
